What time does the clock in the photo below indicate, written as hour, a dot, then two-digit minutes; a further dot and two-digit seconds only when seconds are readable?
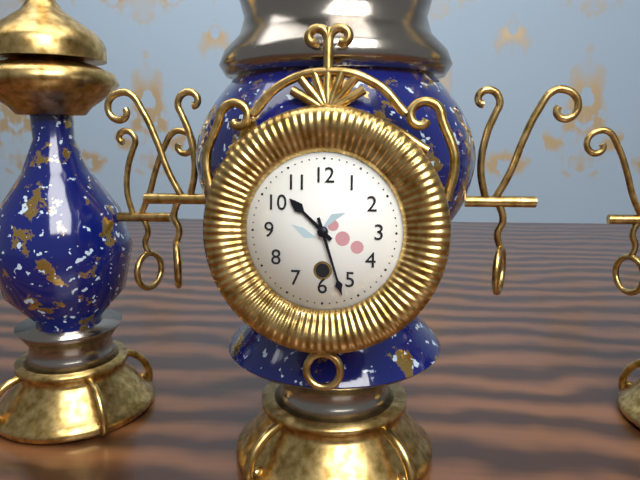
10.27
